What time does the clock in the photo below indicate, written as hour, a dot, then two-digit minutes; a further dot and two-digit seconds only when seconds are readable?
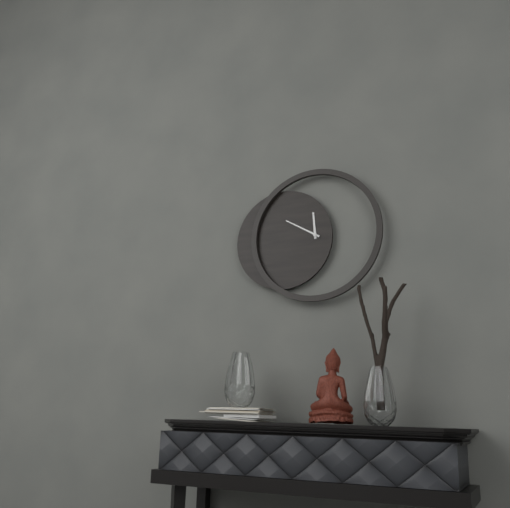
11.50
